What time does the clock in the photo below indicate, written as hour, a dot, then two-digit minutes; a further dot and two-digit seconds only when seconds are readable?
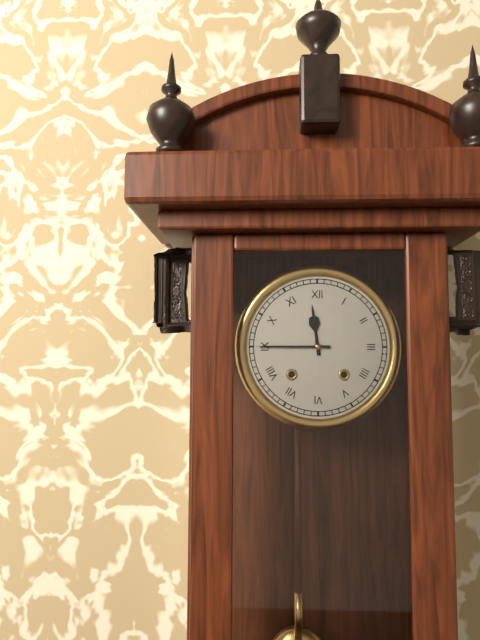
11.45
